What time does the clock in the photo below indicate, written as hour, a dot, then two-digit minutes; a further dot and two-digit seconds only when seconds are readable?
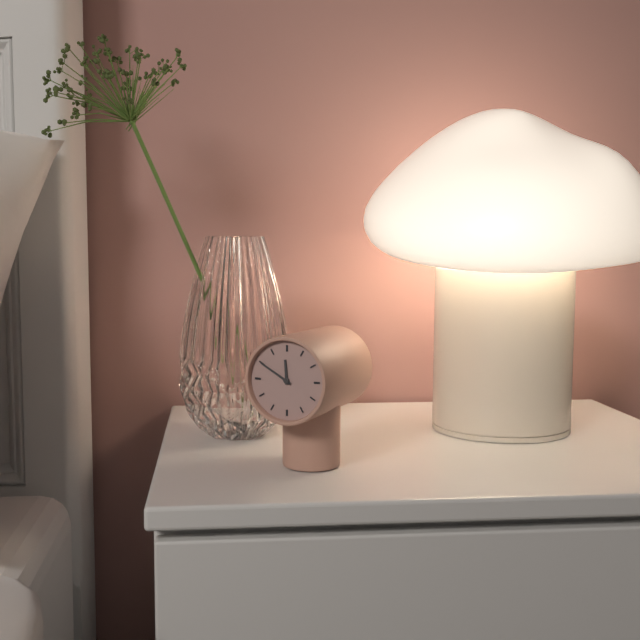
11.50
